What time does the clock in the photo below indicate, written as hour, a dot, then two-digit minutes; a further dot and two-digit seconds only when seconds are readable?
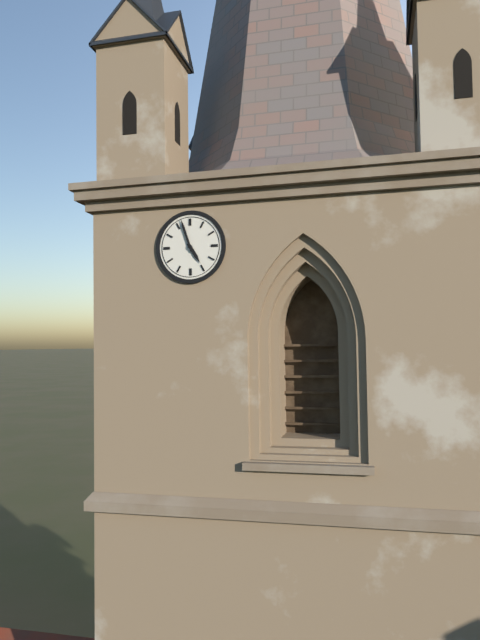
4.57
